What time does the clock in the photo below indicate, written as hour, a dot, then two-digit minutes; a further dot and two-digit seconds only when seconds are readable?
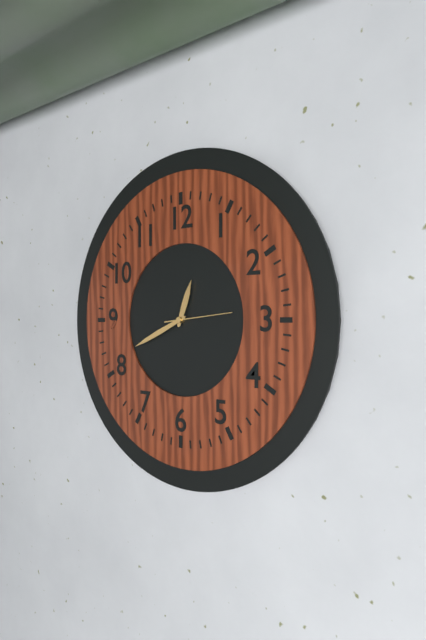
12.41.14
